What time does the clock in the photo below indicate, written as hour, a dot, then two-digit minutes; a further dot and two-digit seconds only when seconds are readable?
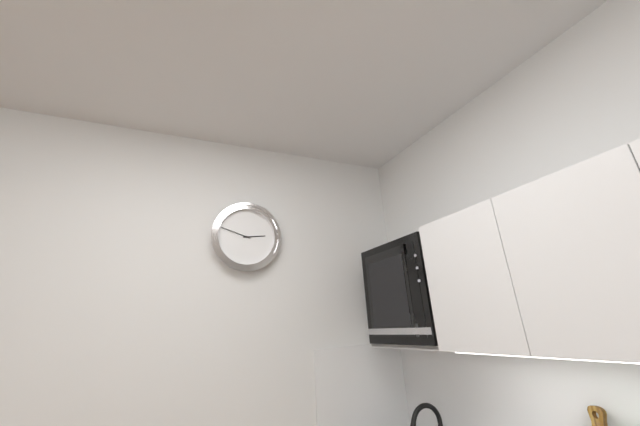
2.48
